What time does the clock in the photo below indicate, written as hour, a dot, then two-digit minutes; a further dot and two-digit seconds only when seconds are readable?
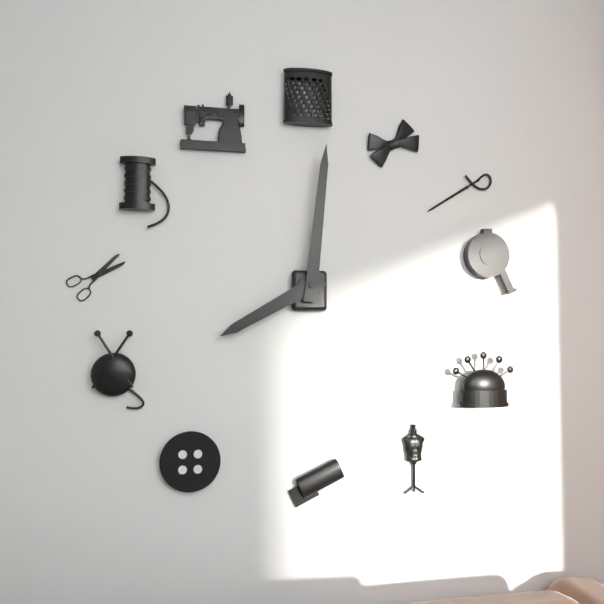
8.01
